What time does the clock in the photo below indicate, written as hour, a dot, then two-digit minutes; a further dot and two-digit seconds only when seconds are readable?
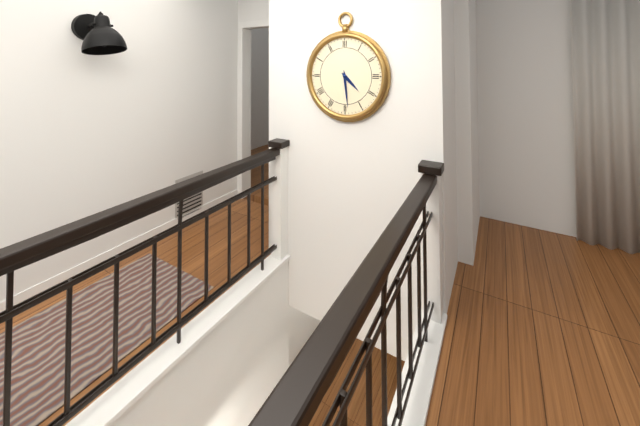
4.29
